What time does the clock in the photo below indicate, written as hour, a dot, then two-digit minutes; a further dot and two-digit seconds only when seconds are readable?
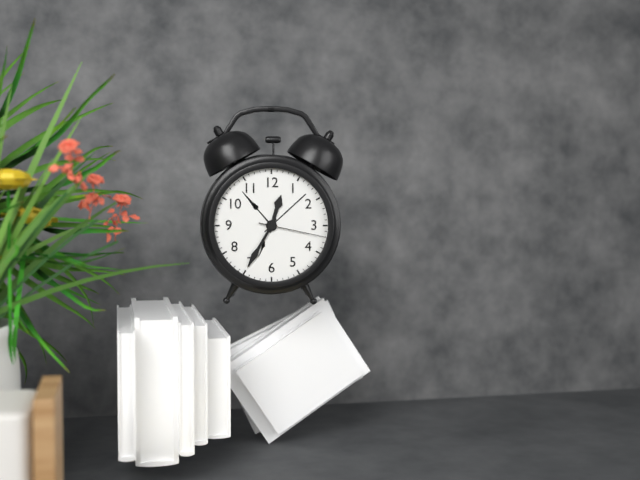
12.35.17
